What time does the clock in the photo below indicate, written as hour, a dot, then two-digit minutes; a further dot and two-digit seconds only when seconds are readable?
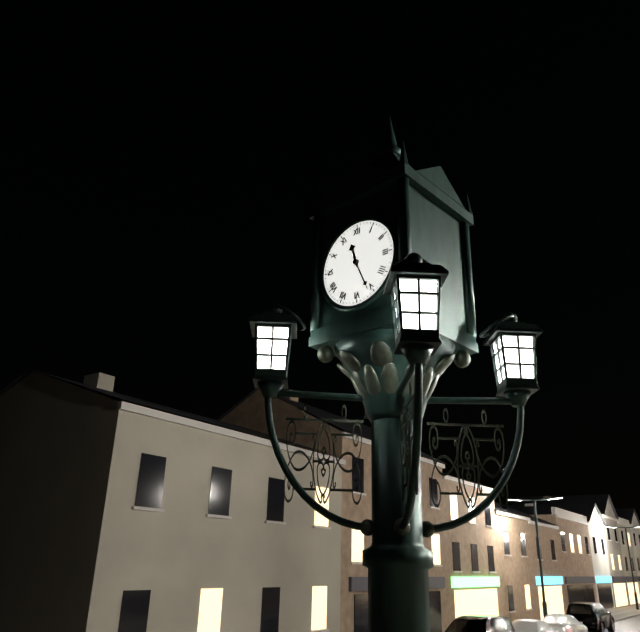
11.26
